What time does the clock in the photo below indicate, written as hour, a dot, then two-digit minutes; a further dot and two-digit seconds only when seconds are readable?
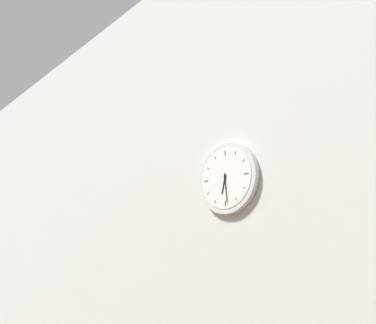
6.29
